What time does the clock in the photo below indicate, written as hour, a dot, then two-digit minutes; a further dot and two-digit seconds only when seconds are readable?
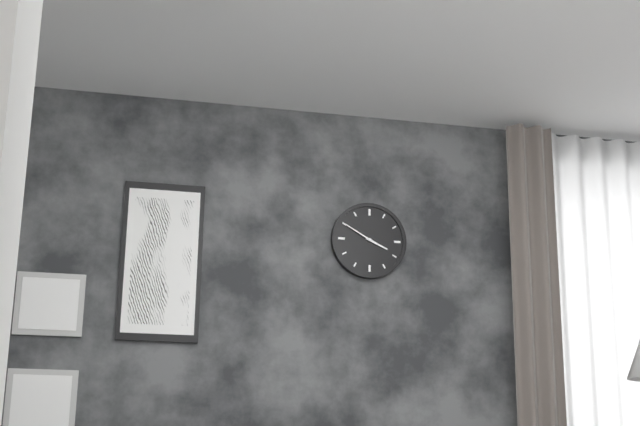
3.50
